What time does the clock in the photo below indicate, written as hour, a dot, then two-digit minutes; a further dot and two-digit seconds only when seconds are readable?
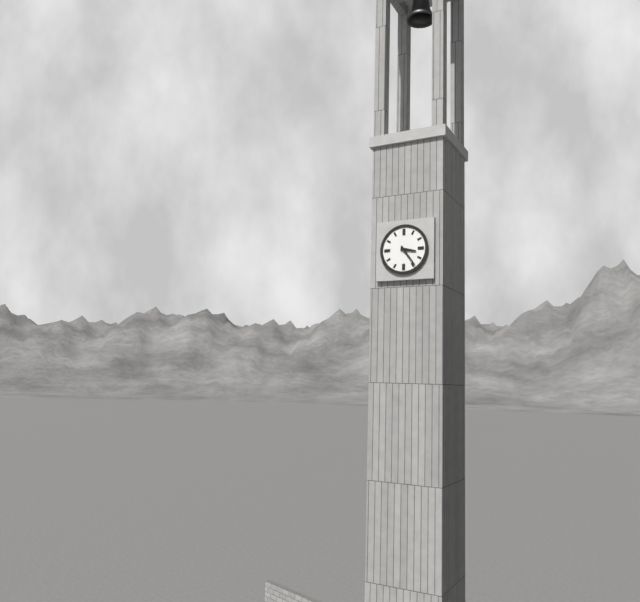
3.24
